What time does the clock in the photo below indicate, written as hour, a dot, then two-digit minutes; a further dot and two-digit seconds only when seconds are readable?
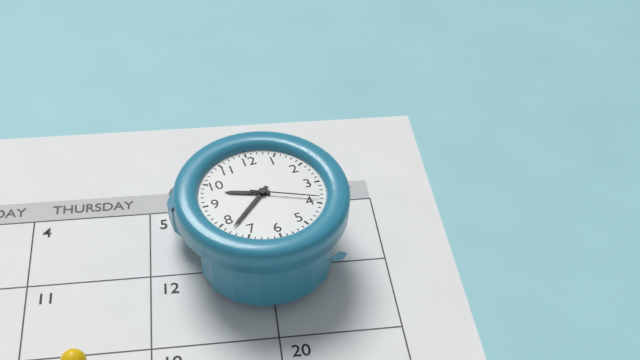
9.38.19
